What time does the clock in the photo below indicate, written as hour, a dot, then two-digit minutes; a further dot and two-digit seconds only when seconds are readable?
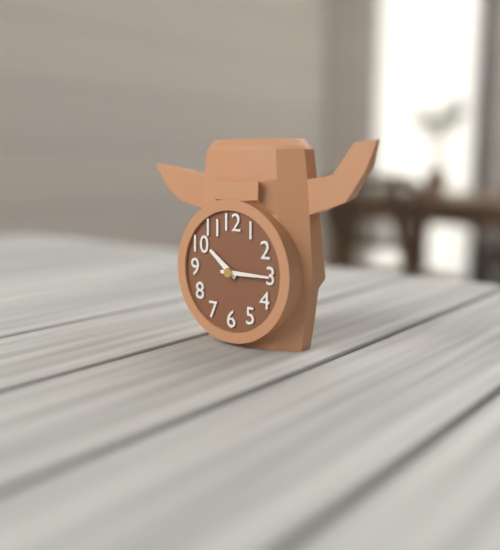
10.15
